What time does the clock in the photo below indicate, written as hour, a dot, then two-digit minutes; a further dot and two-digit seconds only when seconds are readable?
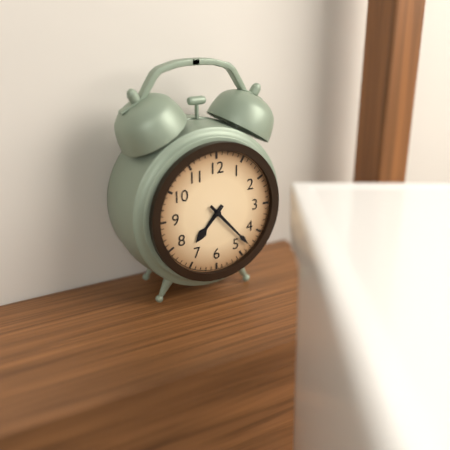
7.23
